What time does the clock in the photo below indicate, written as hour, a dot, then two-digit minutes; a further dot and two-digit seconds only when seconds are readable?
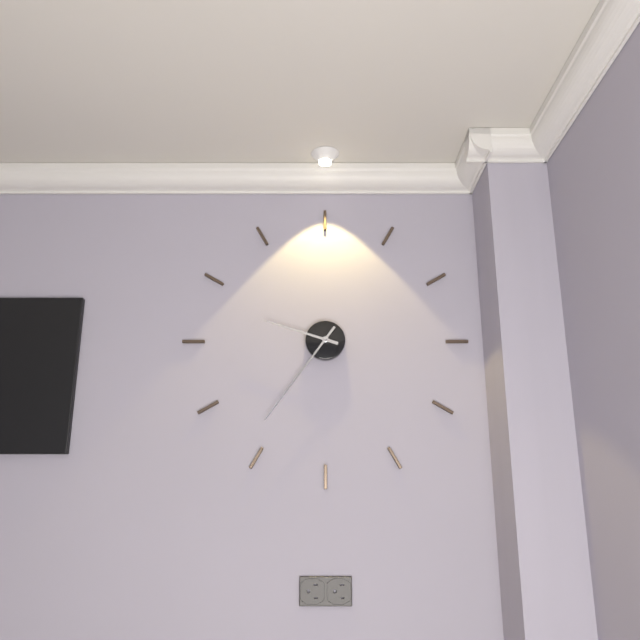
9.36
